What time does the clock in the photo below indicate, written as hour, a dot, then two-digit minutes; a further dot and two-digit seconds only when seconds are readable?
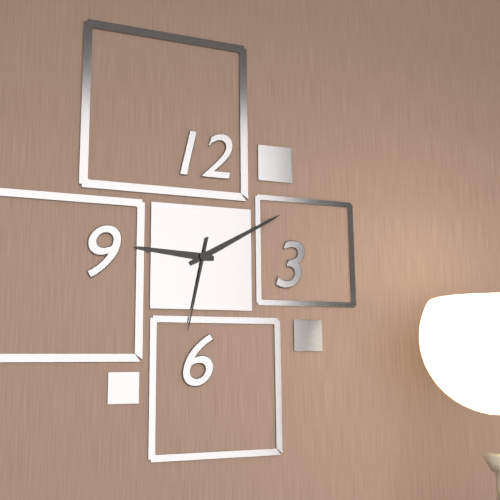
9.10.32
